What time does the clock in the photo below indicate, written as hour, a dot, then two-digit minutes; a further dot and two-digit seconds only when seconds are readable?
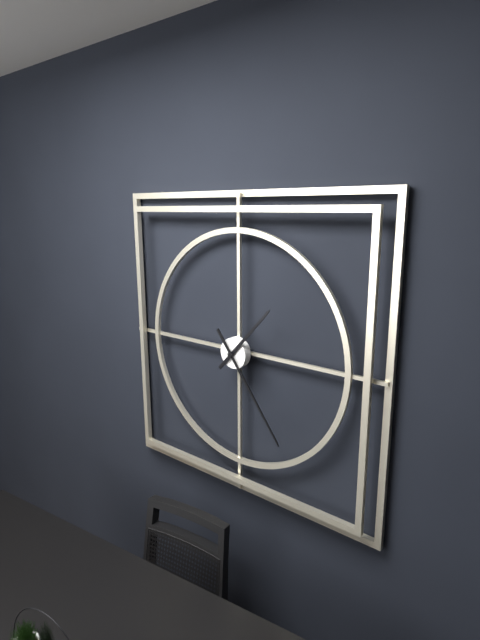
1.24
